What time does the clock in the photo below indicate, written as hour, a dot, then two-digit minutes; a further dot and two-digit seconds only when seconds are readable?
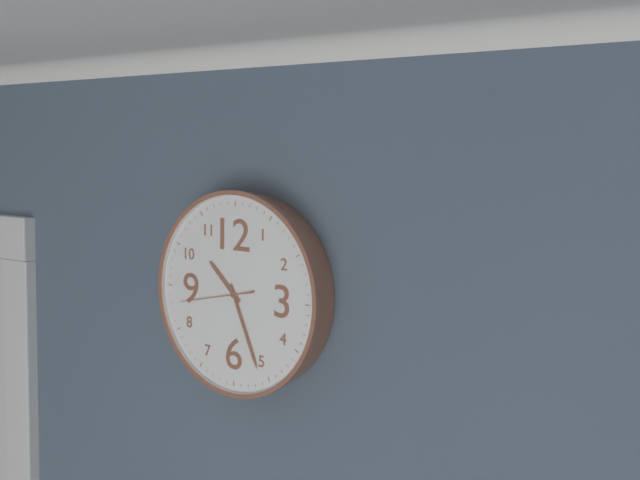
10.26.43
